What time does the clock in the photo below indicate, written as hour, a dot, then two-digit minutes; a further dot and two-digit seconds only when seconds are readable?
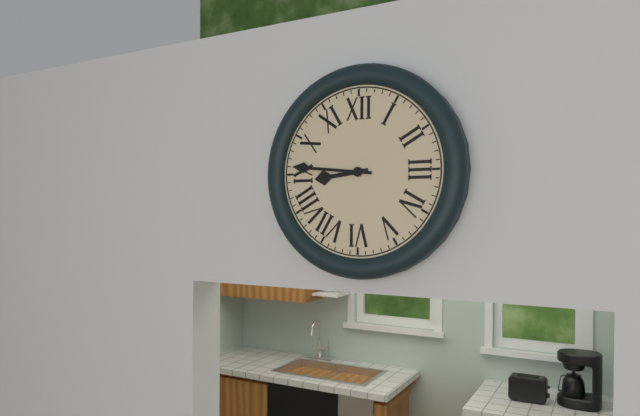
8.46
